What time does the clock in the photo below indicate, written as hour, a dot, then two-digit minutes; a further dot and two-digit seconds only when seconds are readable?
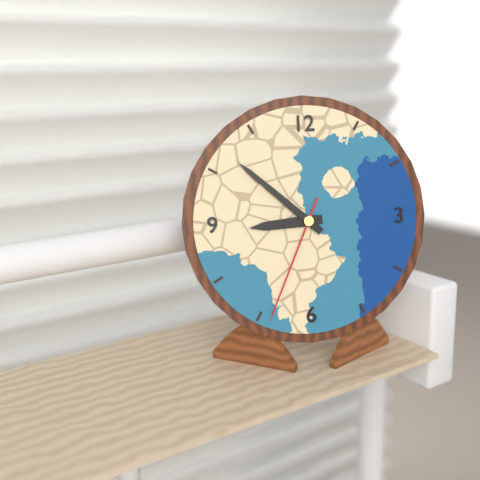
8.52.34
